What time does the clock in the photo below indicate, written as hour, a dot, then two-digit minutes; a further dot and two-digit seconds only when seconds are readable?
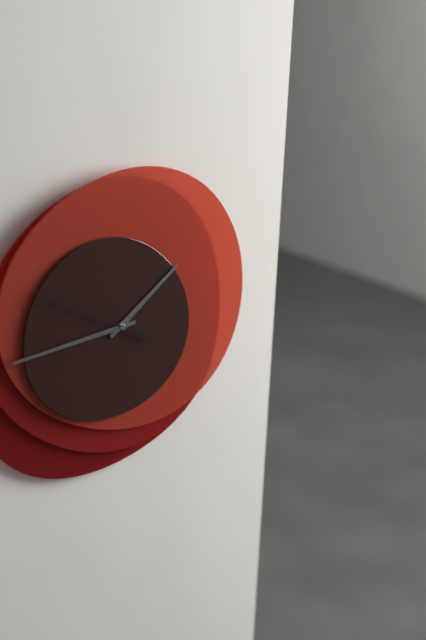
1.44.50
